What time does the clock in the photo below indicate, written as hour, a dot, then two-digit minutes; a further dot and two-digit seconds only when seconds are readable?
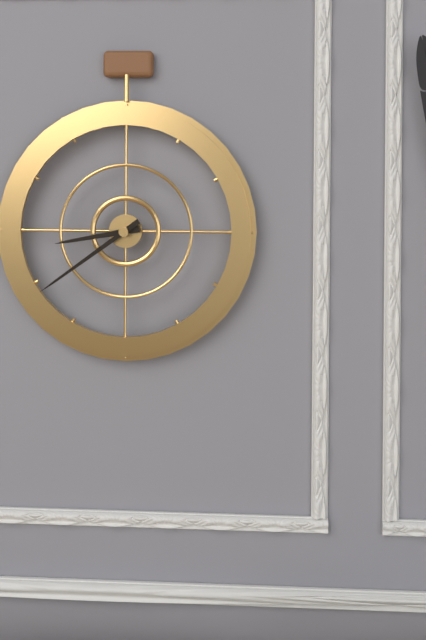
8.39
